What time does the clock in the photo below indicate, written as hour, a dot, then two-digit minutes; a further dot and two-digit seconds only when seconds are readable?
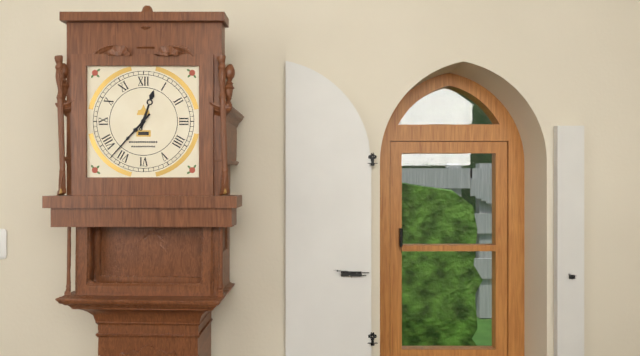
12.37
